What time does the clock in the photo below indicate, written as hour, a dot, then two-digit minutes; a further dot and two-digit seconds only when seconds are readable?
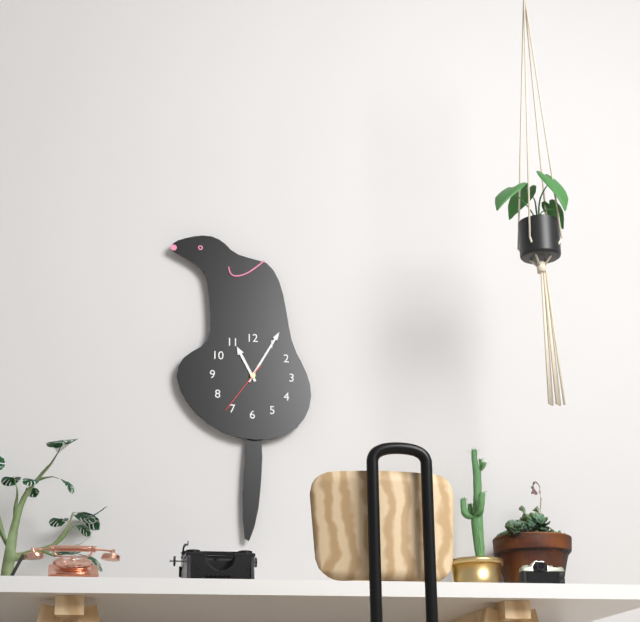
11.05.36
